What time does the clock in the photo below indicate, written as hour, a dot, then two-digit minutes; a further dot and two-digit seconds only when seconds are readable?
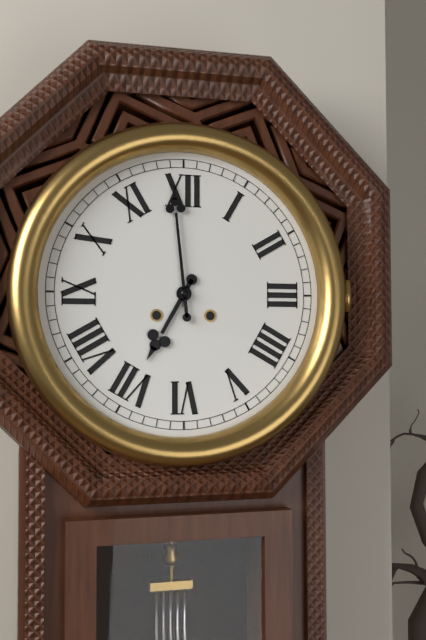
6.59
